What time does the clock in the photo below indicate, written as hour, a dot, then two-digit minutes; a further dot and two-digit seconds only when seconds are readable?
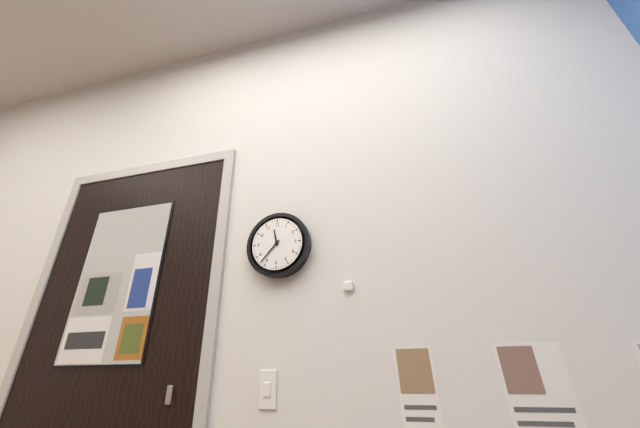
11.37
